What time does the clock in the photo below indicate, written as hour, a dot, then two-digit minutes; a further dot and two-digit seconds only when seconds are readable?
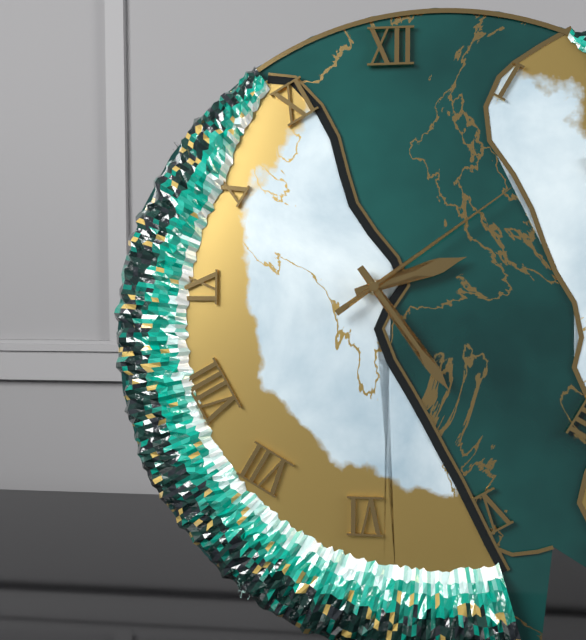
2.24.09
